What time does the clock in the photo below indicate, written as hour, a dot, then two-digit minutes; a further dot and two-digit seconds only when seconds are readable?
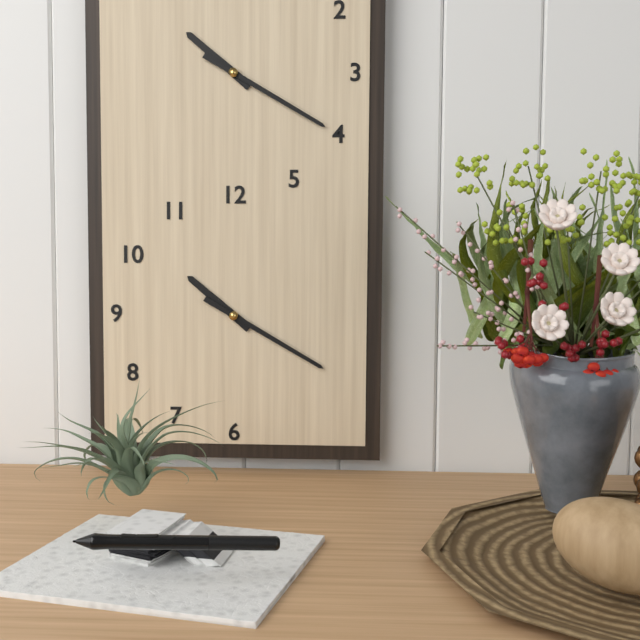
10.20
